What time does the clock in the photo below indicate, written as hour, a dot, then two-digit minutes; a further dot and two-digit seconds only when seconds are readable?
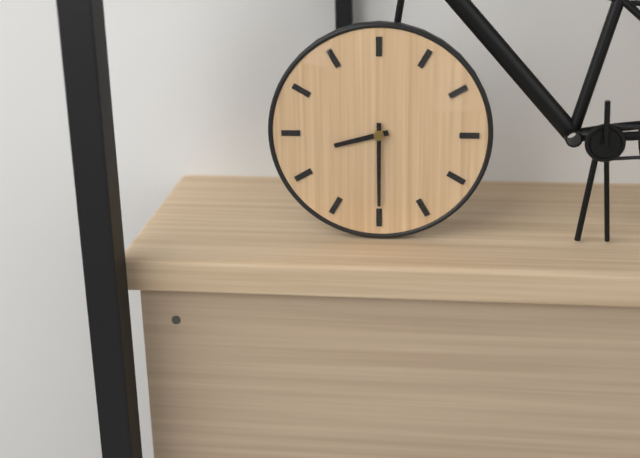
8.30
